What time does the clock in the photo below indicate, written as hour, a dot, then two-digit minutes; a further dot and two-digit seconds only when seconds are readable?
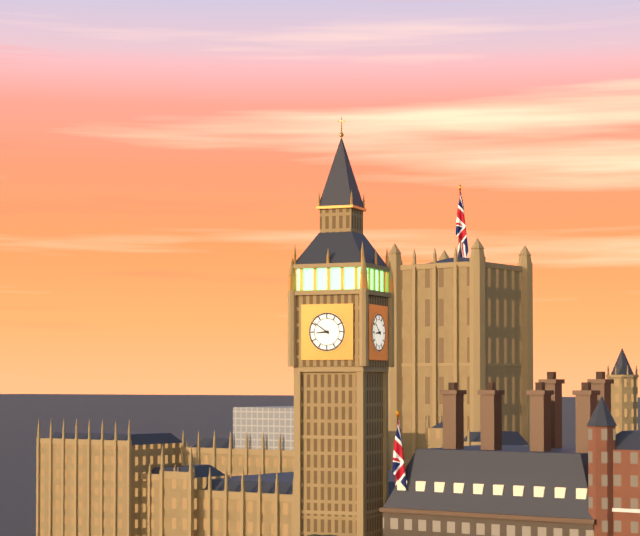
8.51
